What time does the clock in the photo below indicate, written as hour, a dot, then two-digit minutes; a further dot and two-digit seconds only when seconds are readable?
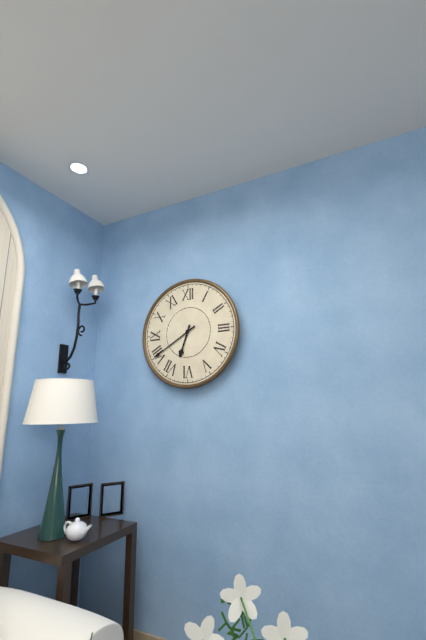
6.40
